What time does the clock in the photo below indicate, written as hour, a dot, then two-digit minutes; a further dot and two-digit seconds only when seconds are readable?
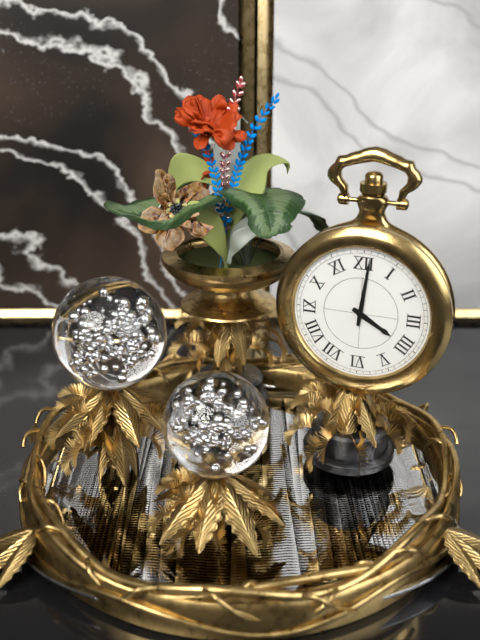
4.01
